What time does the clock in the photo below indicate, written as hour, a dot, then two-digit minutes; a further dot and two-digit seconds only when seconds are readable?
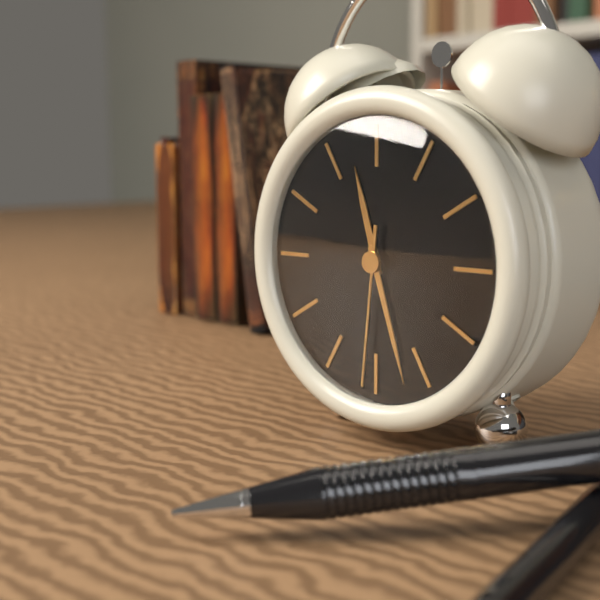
11.27.31
